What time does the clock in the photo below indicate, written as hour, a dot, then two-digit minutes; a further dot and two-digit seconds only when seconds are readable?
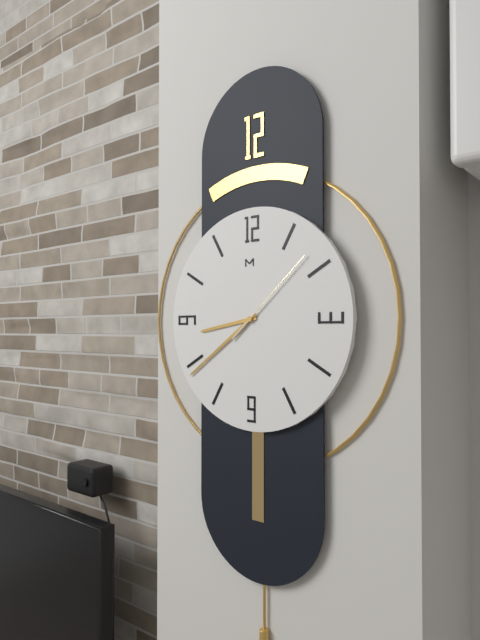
8.39.08
